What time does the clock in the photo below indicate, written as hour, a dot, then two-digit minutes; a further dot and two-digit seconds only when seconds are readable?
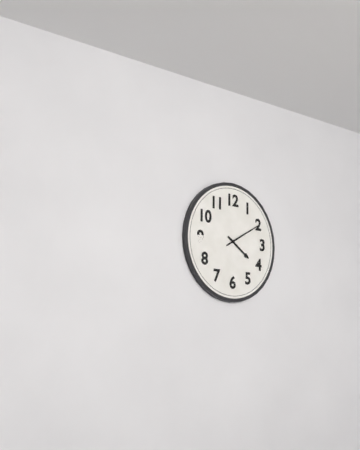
4.10
